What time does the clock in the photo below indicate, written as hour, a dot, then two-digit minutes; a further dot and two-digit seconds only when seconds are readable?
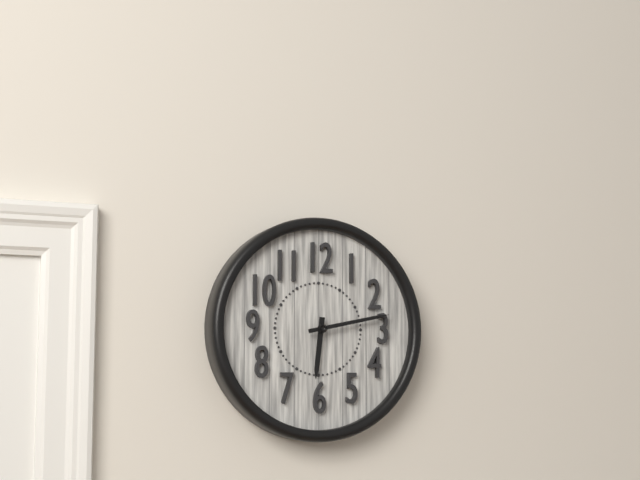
6.13
